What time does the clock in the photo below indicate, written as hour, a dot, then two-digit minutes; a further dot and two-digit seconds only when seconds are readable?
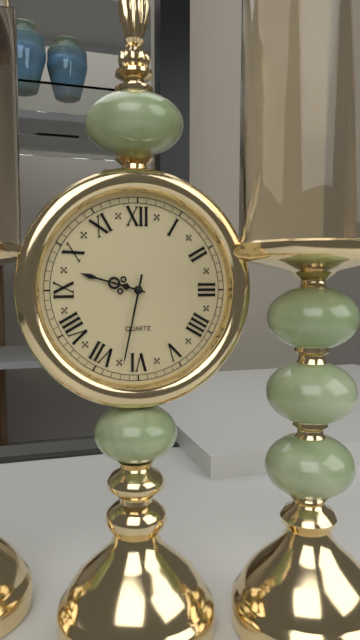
9.32
